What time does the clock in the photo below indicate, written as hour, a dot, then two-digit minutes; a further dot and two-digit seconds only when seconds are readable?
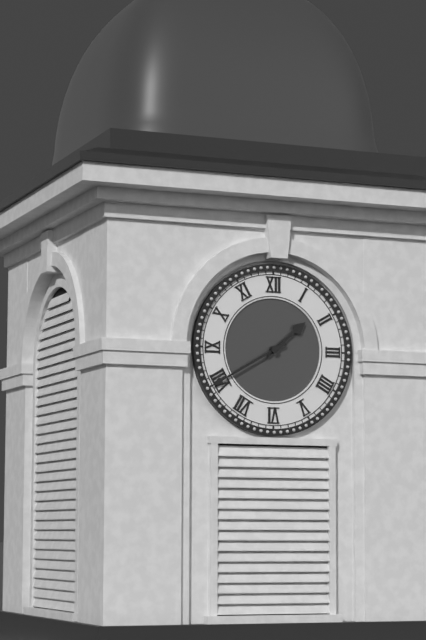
1.40
